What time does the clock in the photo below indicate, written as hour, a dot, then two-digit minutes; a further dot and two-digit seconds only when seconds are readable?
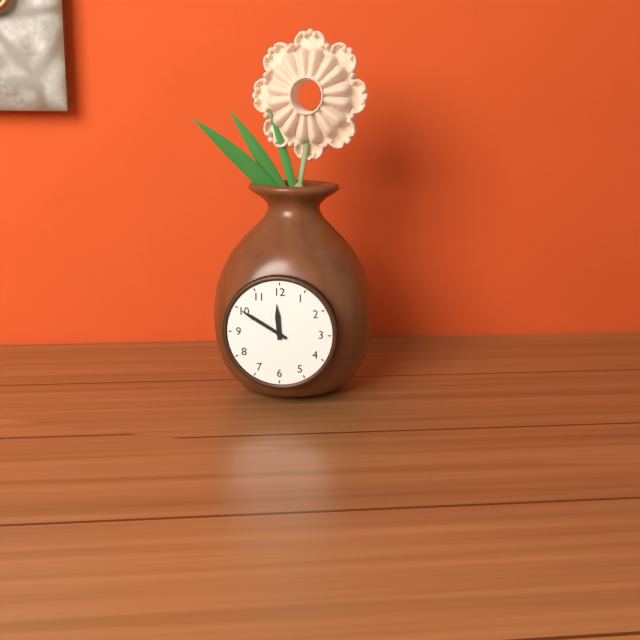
11.50
